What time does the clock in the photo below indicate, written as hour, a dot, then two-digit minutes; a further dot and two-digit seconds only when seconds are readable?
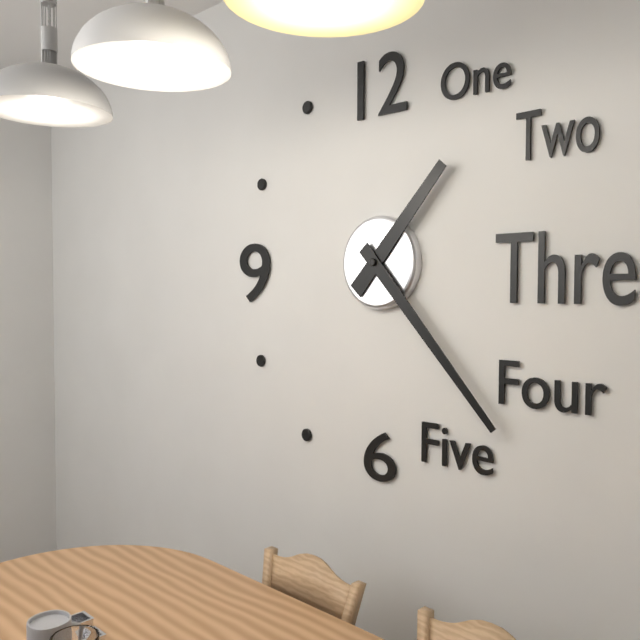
1.23
